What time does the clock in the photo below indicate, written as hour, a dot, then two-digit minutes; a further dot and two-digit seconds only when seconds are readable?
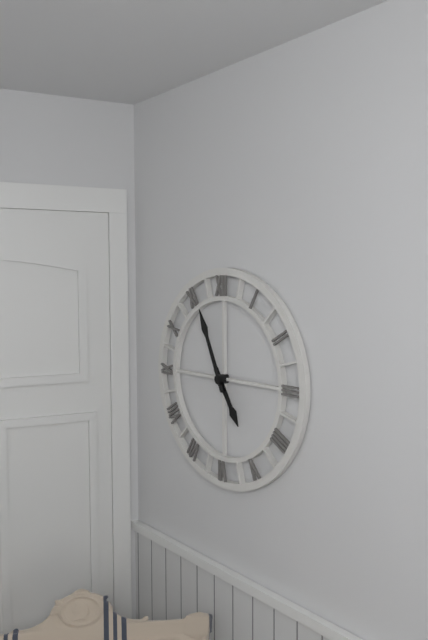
4.56
